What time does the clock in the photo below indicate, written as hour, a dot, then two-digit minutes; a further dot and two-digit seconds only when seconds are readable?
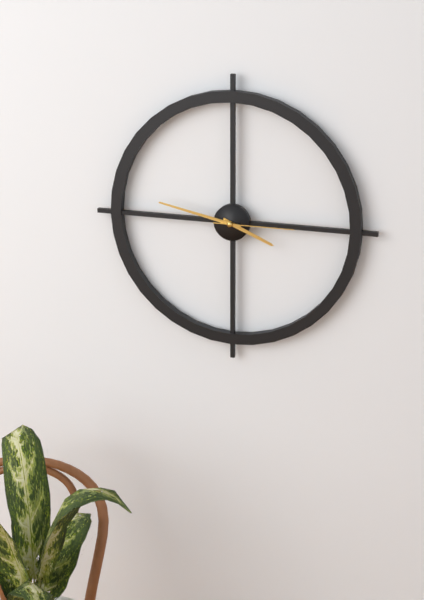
3.47.15
